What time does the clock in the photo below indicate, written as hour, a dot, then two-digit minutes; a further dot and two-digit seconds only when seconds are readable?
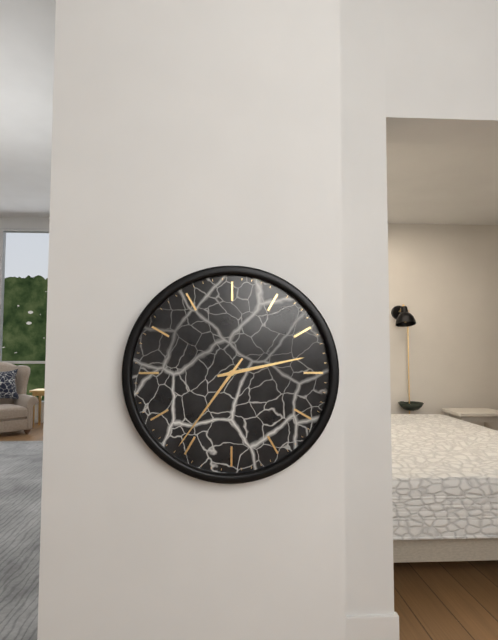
2.36
